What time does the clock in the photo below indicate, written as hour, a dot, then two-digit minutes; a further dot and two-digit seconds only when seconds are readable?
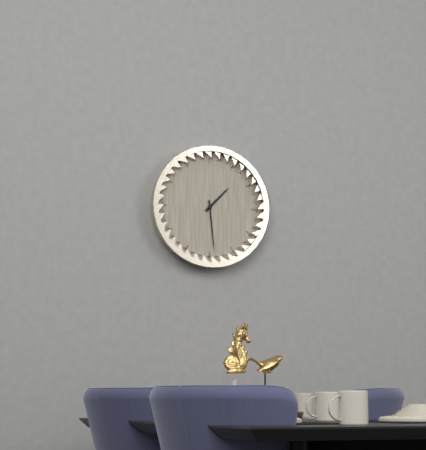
1.29
